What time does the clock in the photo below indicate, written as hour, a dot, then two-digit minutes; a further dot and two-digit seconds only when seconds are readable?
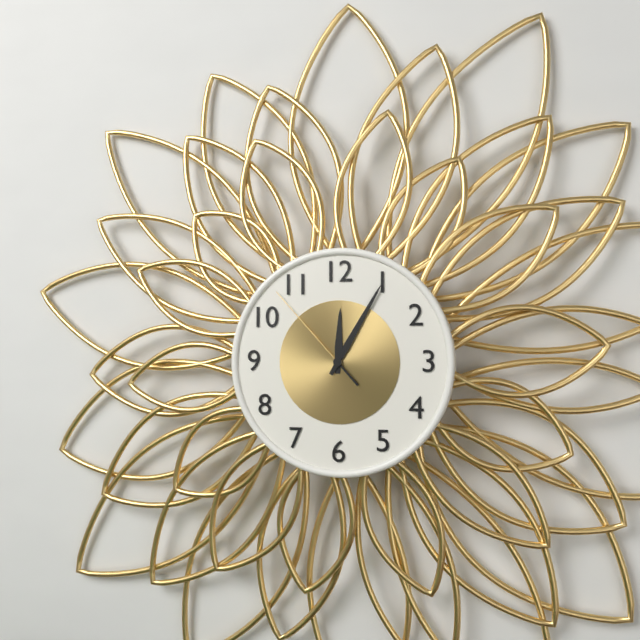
12.05.53
